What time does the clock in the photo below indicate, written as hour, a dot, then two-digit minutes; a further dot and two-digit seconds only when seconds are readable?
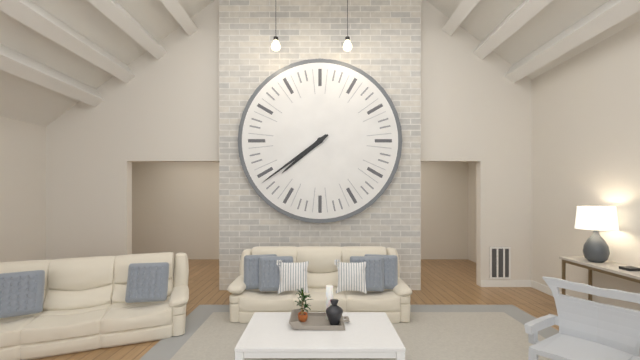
7.39
